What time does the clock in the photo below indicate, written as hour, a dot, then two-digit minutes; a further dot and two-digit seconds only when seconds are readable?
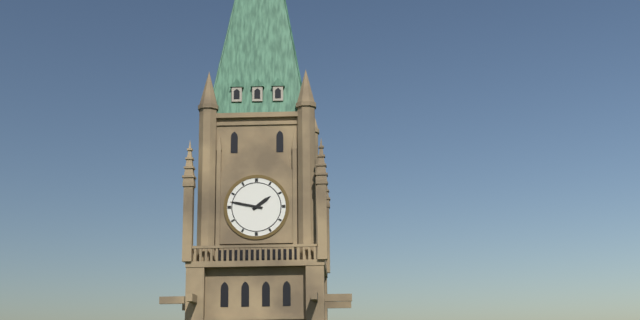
1.47
